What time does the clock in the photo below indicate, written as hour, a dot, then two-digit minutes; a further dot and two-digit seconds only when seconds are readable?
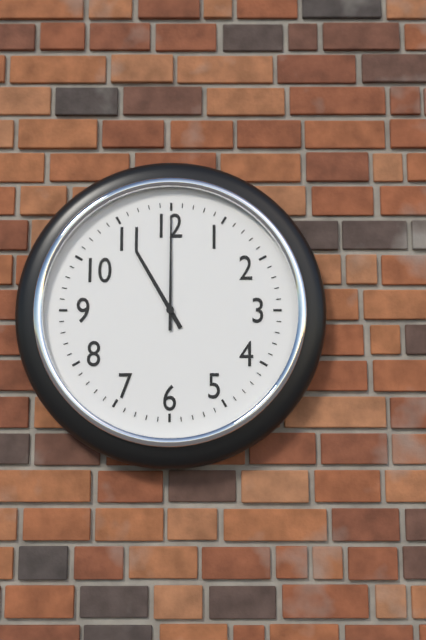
11.00
